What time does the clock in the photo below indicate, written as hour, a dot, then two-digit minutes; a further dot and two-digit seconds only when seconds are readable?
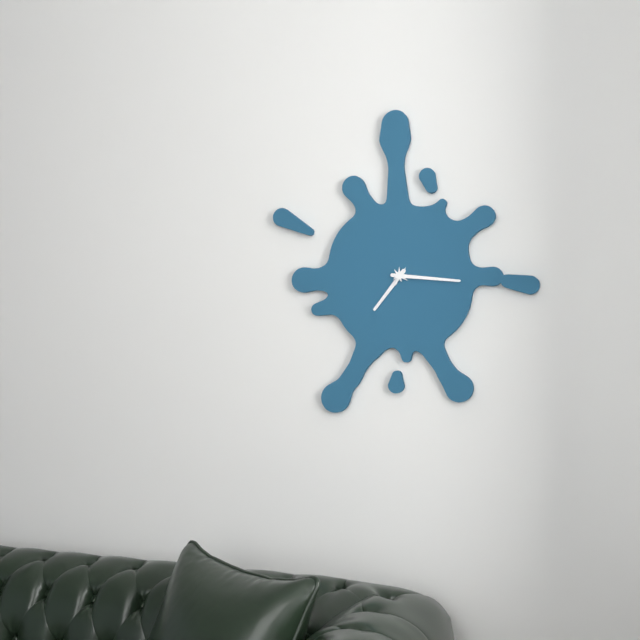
7.16
